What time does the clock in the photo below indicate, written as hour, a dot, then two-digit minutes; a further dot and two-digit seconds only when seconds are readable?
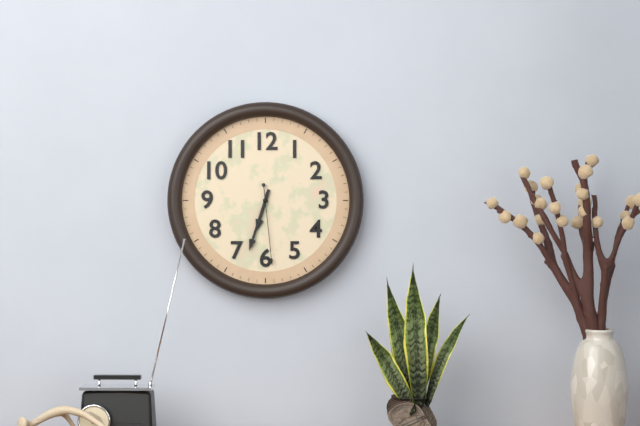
6.33.29
